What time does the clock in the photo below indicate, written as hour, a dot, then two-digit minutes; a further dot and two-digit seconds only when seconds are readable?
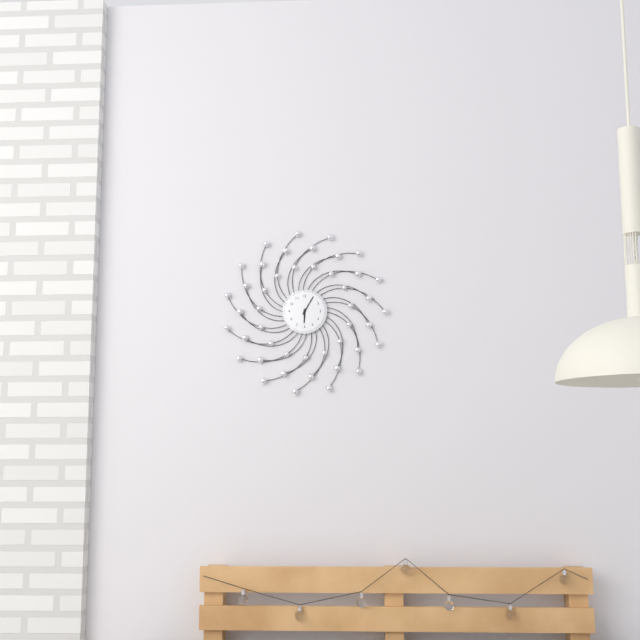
6.05
